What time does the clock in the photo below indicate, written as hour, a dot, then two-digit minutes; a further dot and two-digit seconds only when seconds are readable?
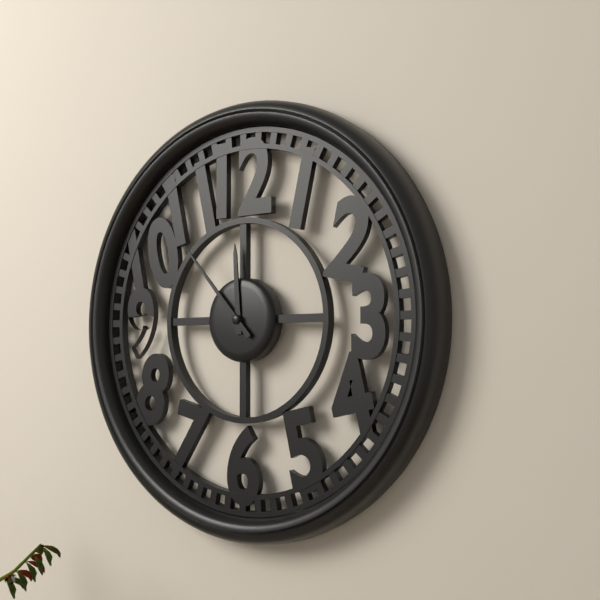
11.53
